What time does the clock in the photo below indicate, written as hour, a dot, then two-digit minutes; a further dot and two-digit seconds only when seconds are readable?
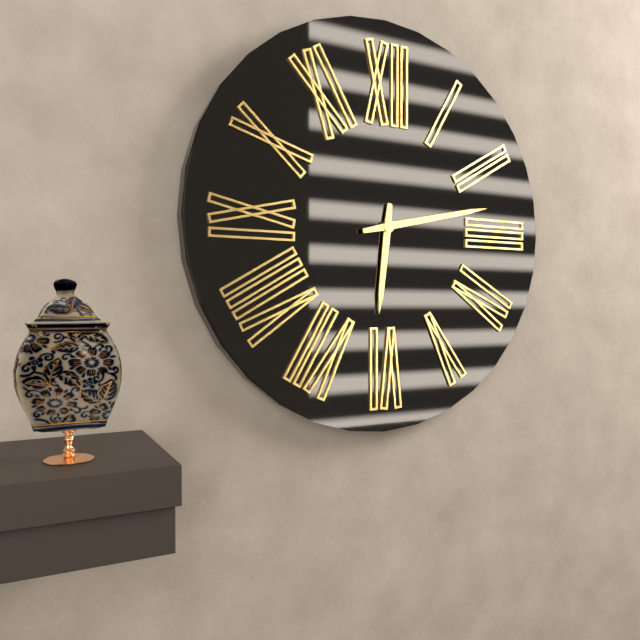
6.13
